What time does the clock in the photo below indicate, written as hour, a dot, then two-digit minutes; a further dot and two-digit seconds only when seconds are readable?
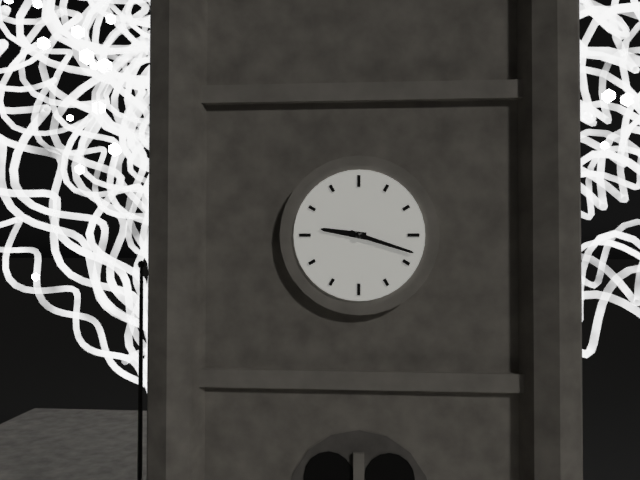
9.18
